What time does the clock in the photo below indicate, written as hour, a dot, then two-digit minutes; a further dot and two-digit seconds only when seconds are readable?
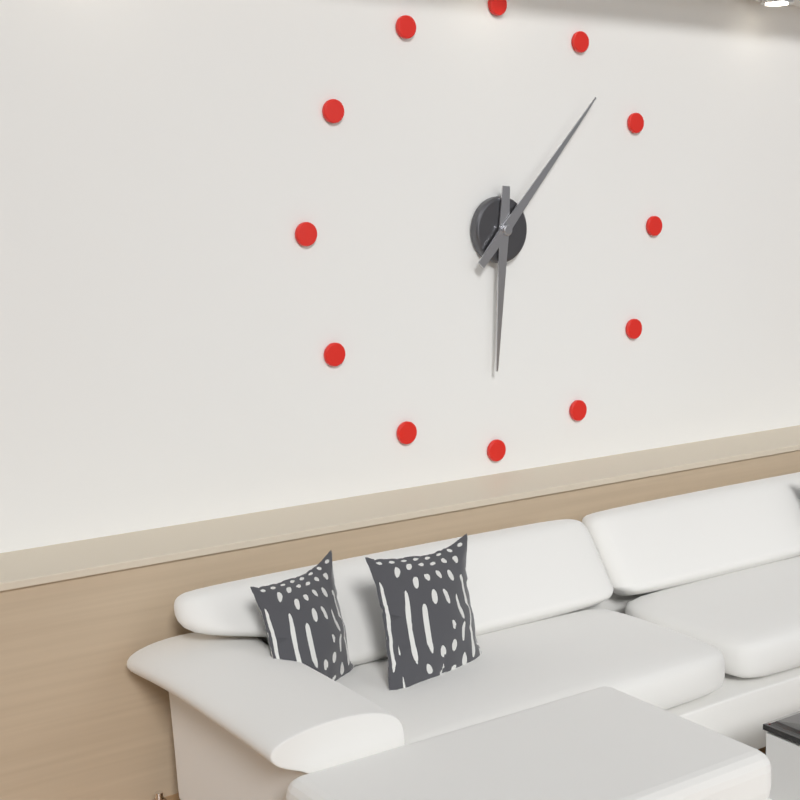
6.07
